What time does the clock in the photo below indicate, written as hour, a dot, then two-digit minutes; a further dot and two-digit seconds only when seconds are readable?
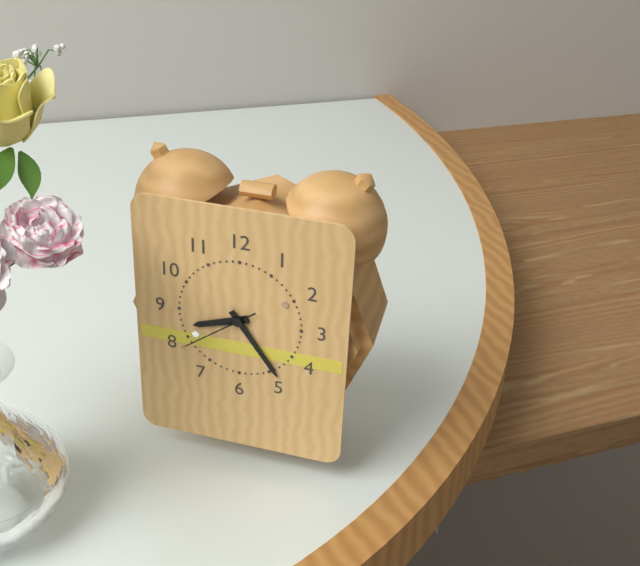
8.24.39
